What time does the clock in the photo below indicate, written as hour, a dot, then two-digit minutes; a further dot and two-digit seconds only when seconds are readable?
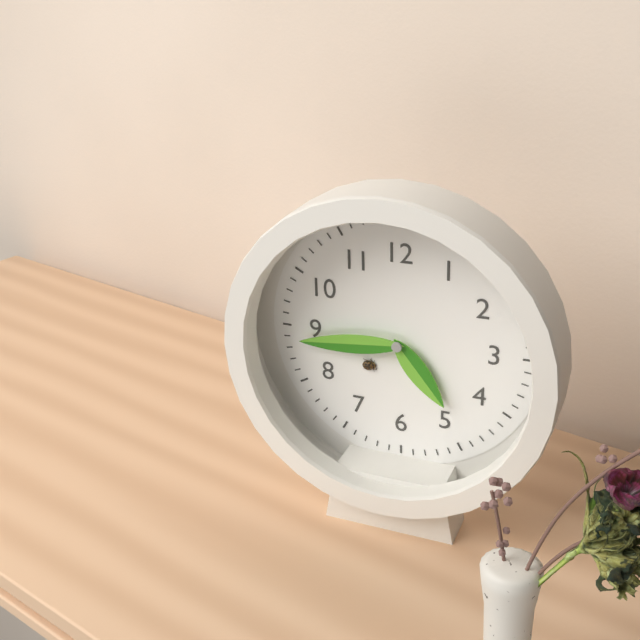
4.44
